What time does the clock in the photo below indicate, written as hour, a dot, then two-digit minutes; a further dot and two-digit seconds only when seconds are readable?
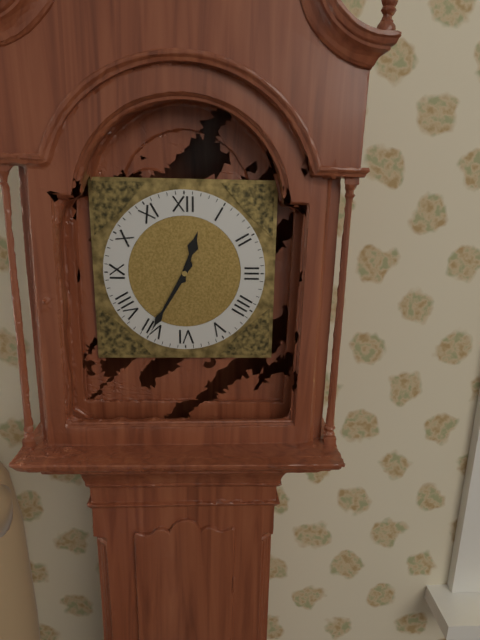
12.35
